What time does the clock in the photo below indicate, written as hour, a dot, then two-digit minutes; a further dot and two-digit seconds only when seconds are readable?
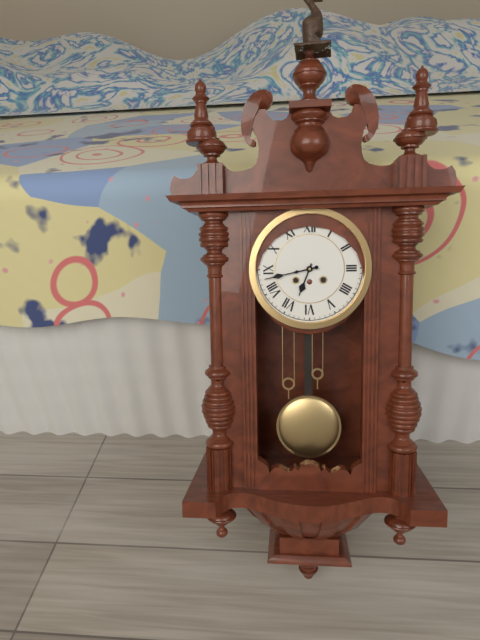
6.43
